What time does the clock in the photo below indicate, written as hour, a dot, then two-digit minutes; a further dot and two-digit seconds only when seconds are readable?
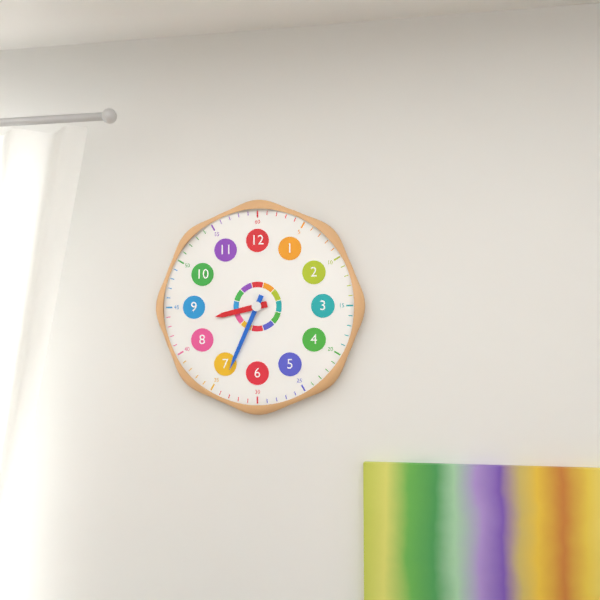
8.34
